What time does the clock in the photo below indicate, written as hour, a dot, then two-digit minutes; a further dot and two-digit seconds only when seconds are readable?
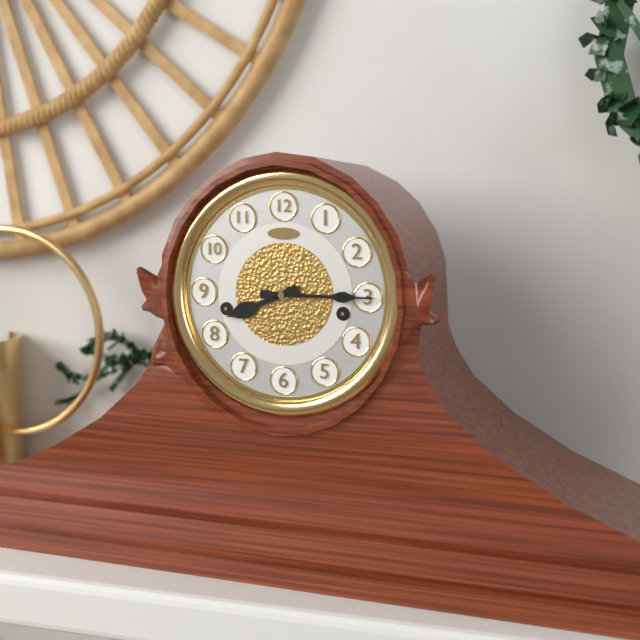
8.15
